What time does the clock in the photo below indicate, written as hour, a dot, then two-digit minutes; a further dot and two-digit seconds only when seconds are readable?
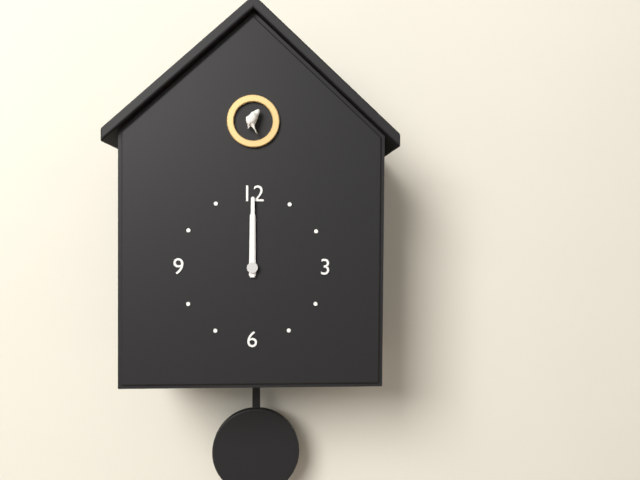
12.00
